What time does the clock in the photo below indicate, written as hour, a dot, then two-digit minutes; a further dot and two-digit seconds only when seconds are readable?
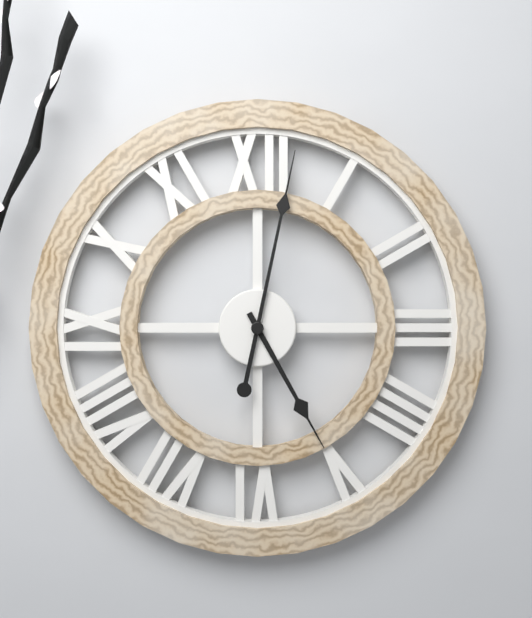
5.02
